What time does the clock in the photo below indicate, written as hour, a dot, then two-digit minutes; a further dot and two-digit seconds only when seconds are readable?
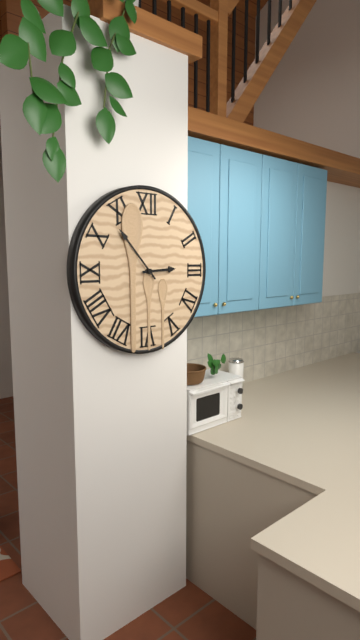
2.53
